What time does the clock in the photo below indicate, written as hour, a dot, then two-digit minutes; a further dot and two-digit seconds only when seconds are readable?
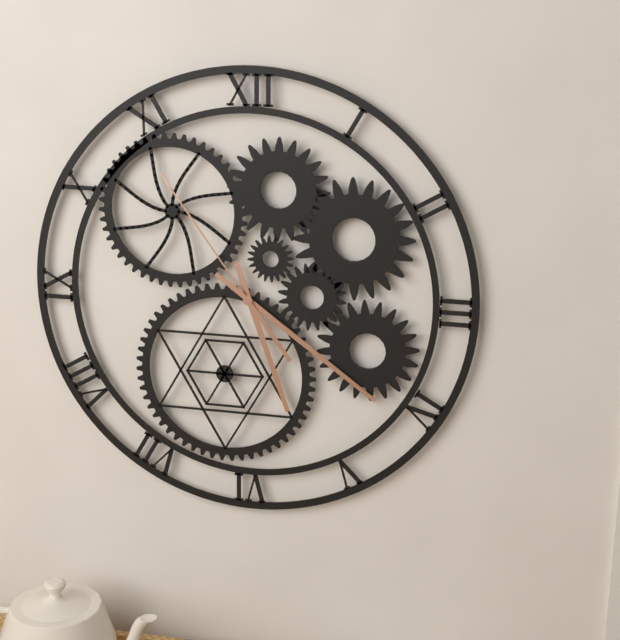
5.21.54
